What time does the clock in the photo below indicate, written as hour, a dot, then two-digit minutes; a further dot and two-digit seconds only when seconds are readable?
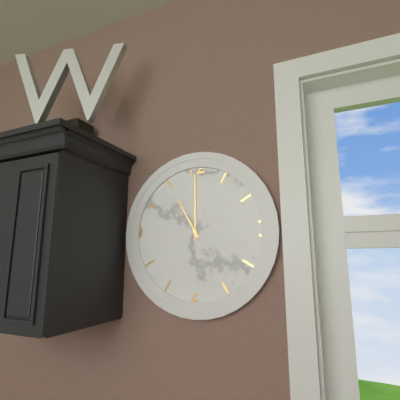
11.00
